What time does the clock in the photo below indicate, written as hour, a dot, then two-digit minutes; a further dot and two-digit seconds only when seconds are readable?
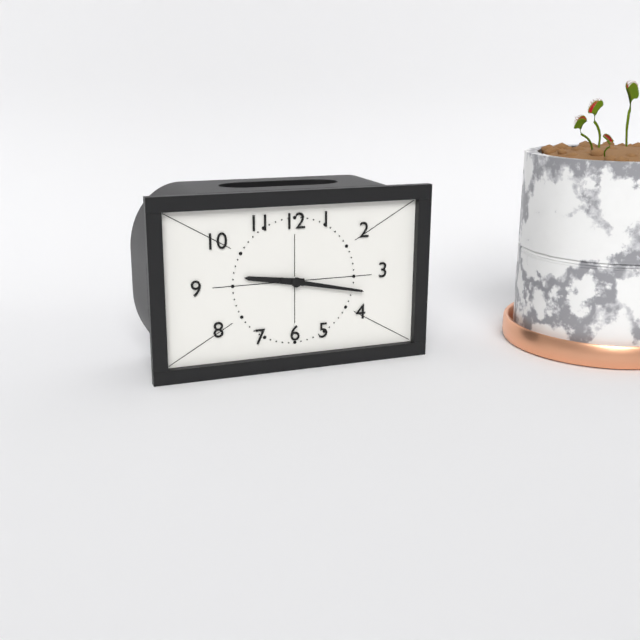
9.17
